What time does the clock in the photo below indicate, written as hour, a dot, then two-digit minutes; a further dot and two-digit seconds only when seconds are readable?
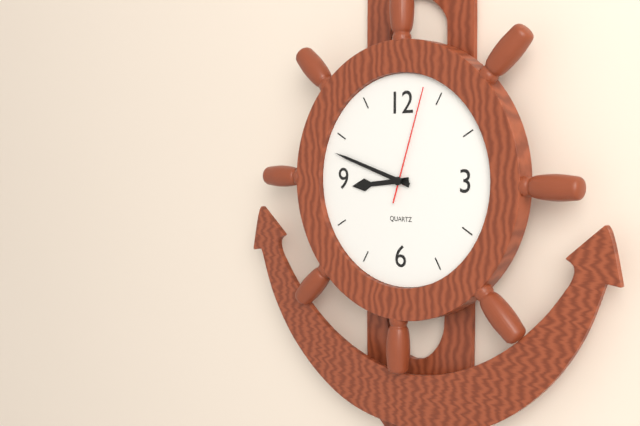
8.48.03
